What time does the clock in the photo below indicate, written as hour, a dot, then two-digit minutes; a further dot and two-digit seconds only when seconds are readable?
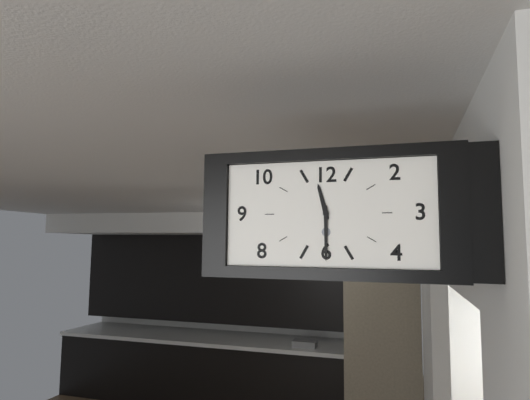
11.30
